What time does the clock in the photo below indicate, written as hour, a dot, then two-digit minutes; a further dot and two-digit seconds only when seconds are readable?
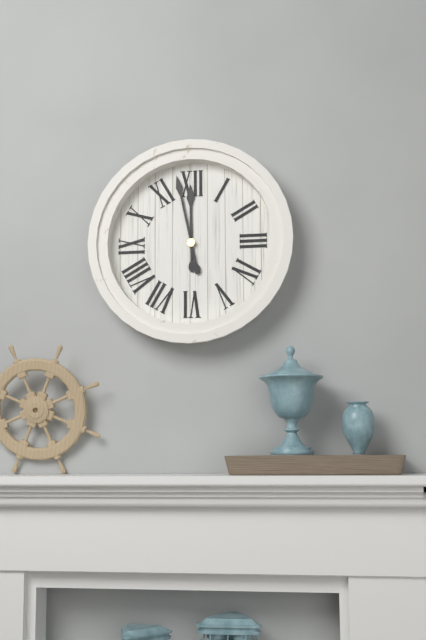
11.58
